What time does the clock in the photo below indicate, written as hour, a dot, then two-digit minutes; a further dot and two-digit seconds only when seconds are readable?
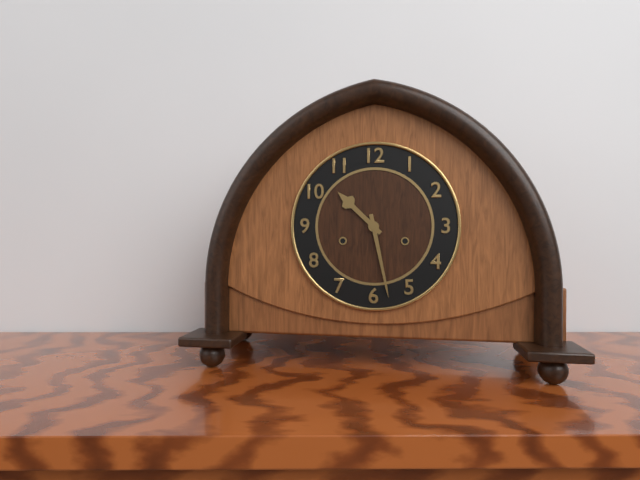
10.28
